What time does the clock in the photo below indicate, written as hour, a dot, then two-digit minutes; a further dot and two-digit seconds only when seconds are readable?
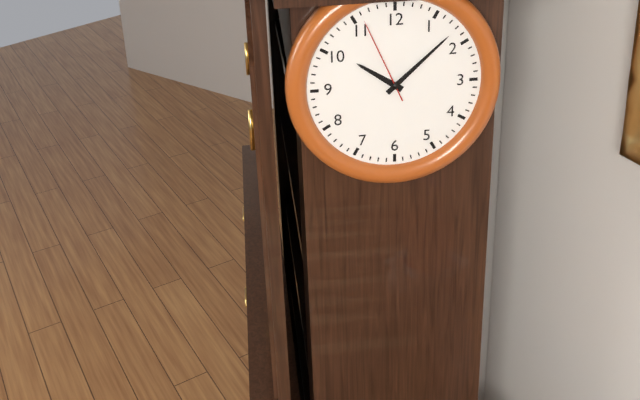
10.08.56
